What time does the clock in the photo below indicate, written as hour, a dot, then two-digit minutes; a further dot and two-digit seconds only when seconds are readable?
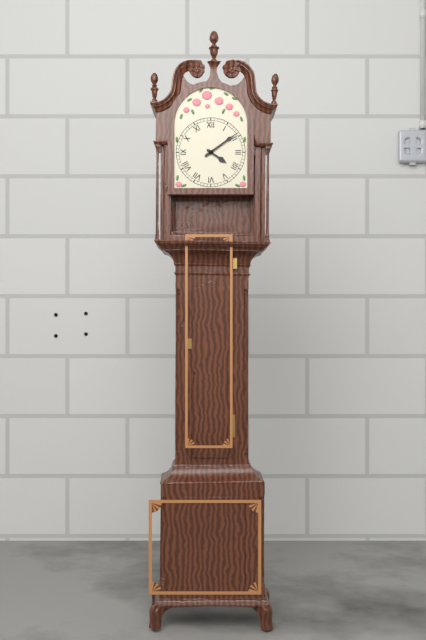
4.09
